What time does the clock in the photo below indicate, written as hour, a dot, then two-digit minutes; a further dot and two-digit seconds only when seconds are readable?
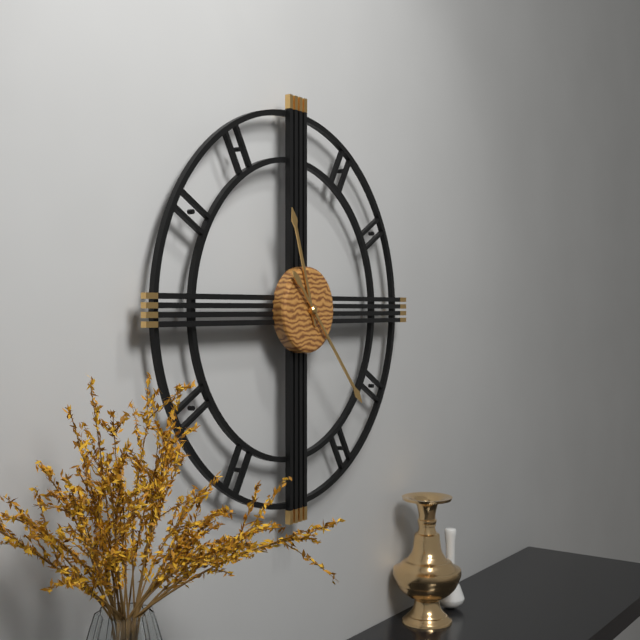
11.23
